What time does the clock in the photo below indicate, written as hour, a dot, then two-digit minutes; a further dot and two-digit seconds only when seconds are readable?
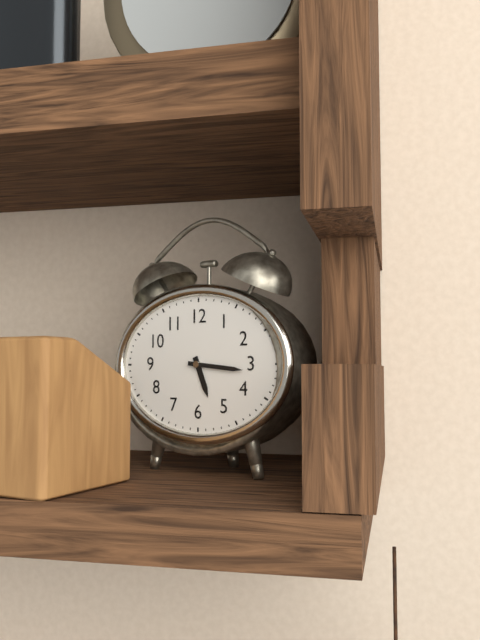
5.16
